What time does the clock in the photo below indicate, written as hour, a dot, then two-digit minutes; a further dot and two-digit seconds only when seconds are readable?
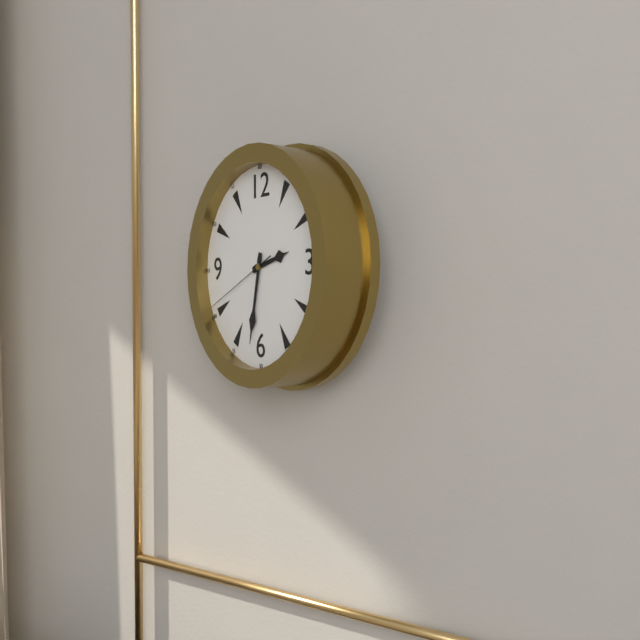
2.32.41
